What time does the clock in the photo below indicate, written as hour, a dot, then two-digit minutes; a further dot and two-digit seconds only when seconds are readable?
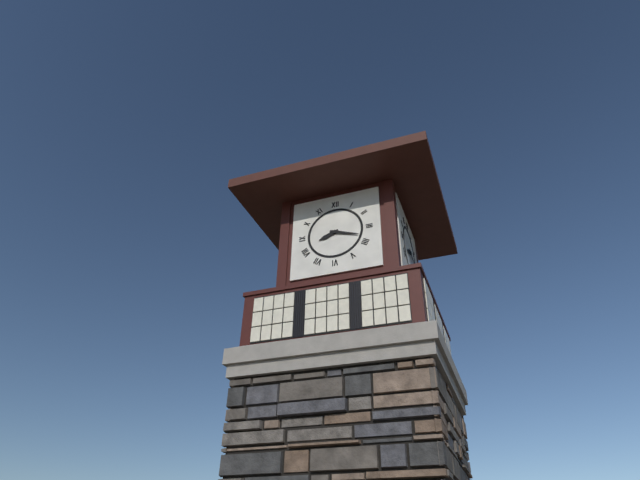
8.18
